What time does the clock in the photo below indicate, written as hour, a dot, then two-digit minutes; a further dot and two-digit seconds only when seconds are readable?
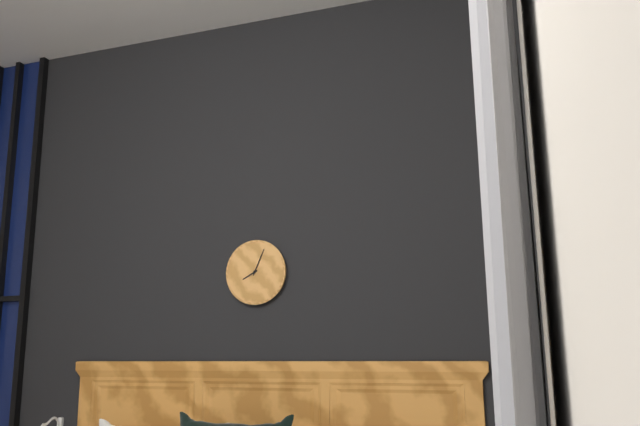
8.04
